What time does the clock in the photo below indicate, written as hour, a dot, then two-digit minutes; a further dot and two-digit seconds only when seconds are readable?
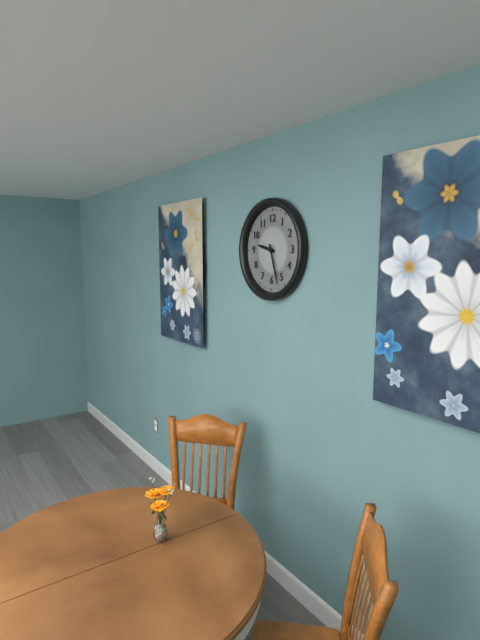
9.27
